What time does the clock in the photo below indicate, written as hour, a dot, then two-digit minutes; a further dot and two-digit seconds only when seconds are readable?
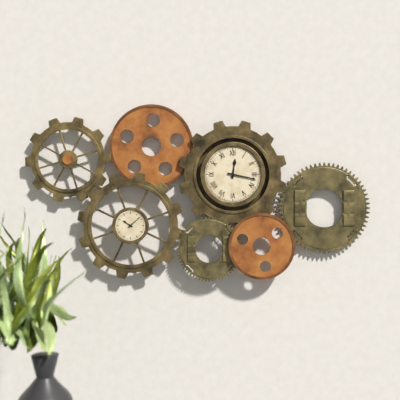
12.17
